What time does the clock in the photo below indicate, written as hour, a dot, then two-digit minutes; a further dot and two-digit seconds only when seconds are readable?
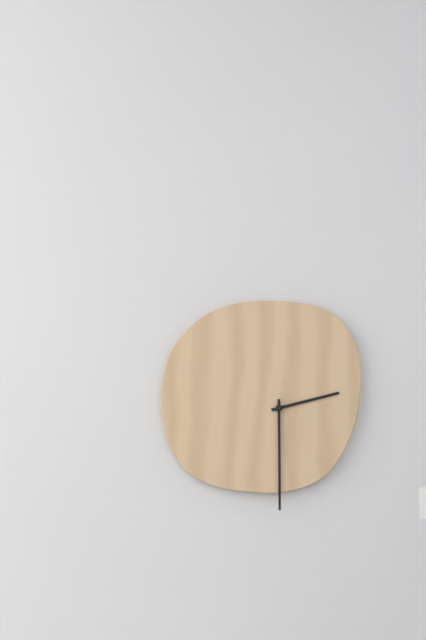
2.30
